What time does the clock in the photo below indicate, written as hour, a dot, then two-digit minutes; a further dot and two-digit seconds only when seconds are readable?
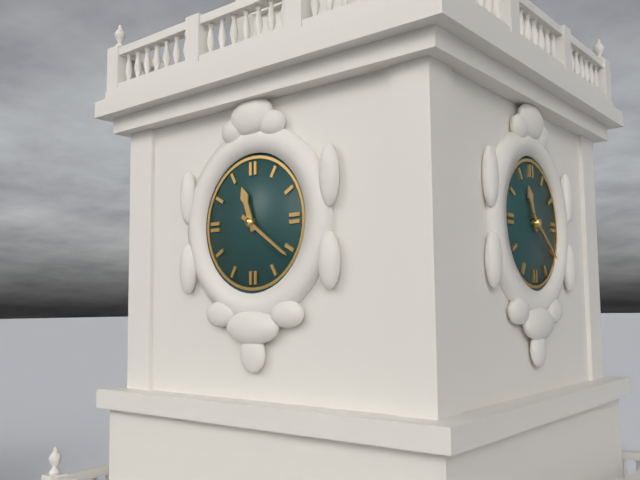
11.21
